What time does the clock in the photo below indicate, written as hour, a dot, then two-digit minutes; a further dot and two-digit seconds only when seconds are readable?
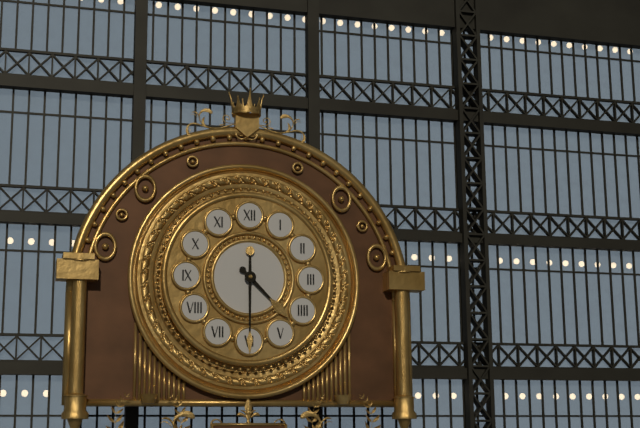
4.30
